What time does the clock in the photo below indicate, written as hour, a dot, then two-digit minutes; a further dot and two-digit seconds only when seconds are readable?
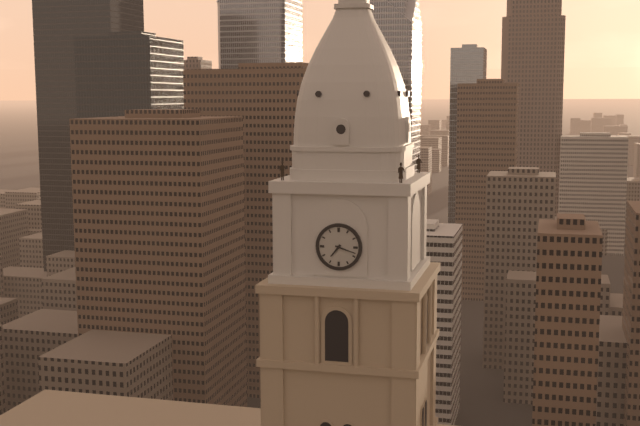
7.18
